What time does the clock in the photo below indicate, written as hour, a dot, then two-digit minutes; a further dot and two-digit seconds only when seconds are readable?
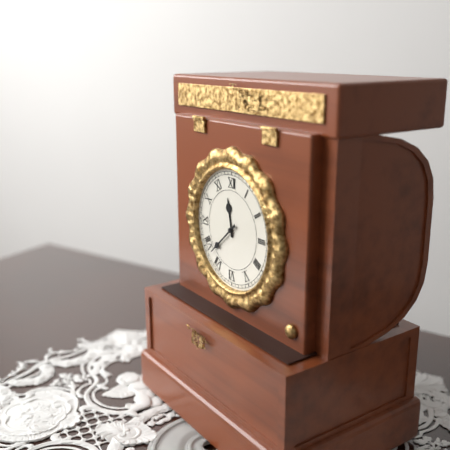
11.38
